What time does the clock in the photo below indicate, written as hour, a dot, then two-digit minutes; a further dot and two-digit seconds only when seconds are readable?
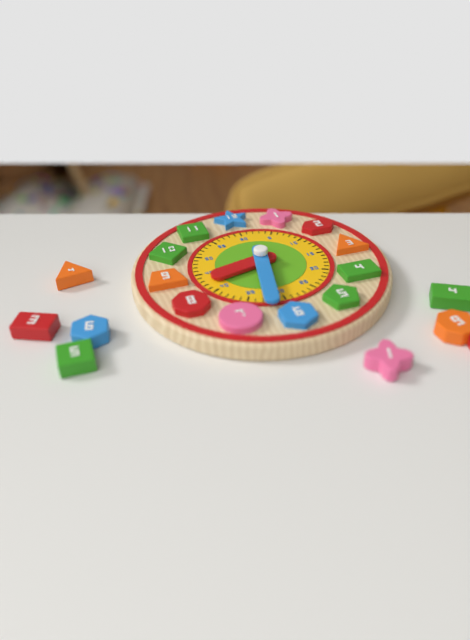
8.32
